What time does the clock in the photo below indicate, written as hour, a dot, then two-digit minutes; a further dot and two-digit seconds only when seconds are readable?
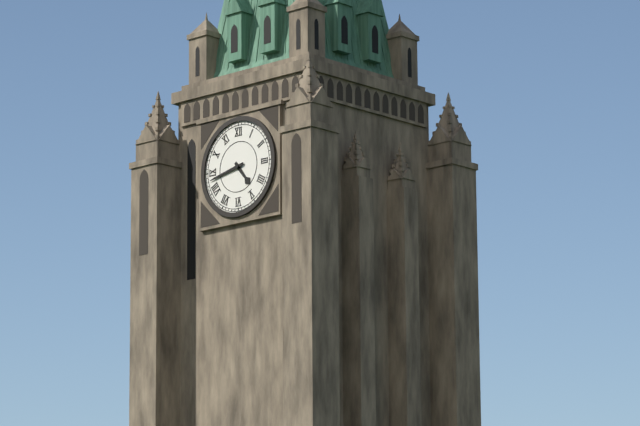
4.43
